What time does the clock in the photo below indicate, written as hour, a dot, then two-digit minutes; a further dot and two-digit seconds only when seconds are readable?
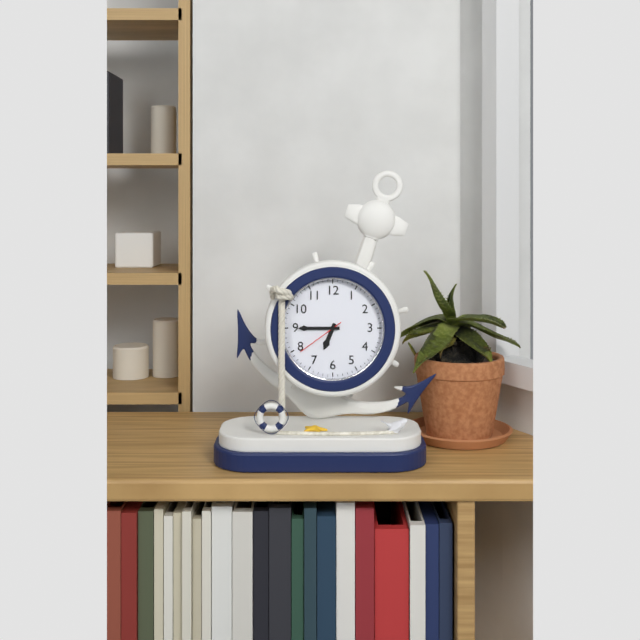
6.45.39
